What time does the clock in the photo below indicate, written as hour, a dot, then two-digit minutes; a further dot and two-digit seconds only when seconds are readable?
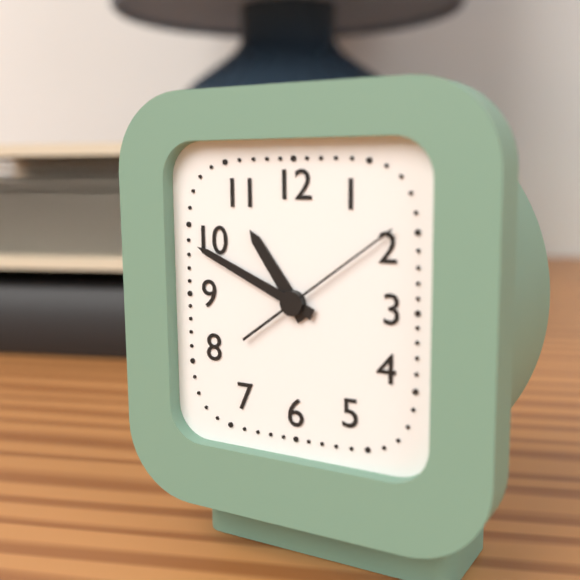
10.49.09
